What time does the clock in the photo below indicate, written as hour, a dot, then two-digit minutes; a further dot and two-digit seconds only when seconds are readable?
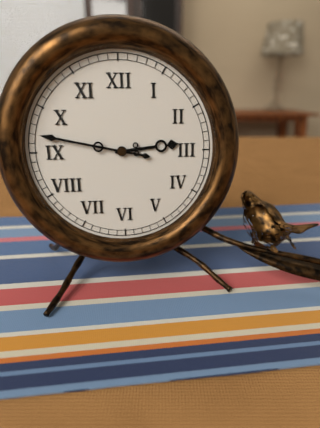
2.47
